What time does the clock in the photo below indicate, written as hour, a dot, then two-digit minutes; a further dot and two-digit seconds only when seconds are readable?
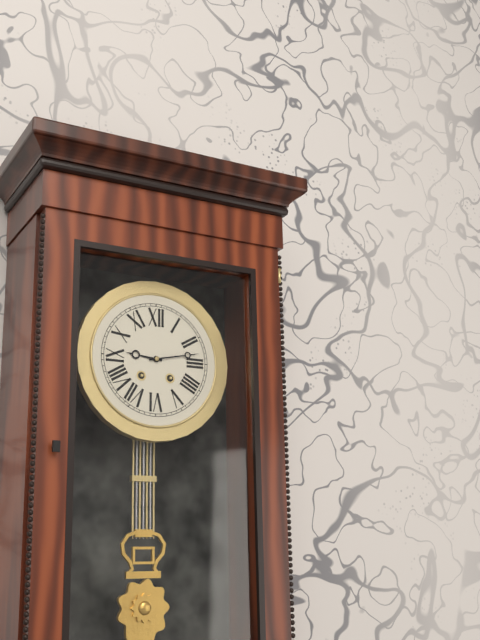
9.13
